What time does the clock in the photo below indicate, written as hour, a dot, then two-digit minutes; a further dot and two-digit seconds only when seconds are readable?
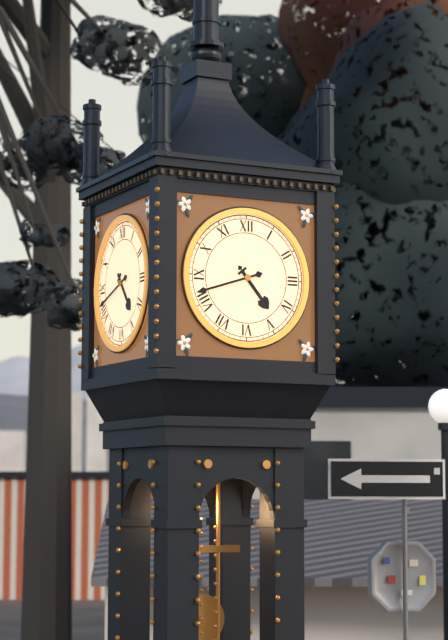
4.42
